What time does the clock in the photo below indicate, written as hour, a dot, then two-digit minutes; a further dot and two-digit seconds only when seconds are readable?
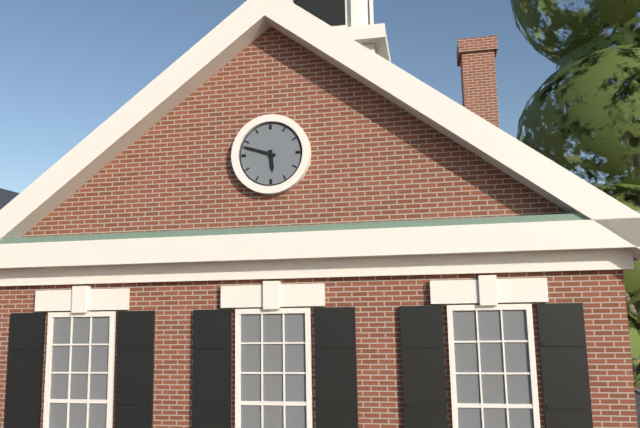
5.48
